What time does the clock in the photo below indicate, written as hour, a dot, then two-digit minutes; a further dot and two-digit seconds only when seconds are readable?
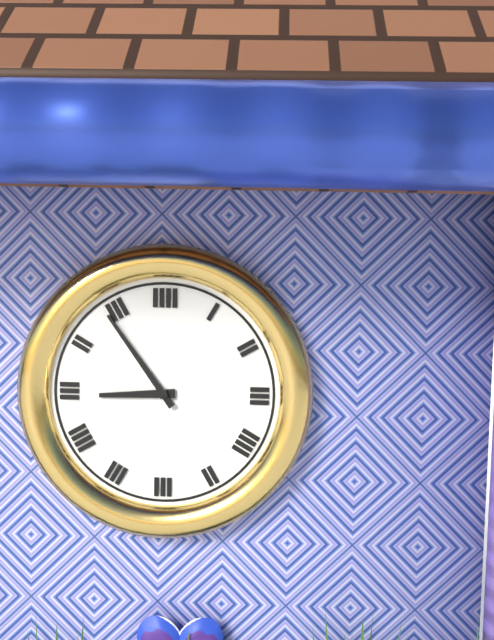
8.54
